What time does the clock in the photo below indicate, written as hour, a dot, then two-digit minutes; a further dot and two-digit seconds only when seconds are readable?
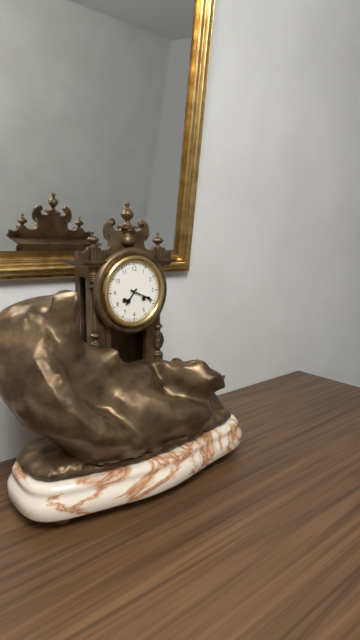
7.19
